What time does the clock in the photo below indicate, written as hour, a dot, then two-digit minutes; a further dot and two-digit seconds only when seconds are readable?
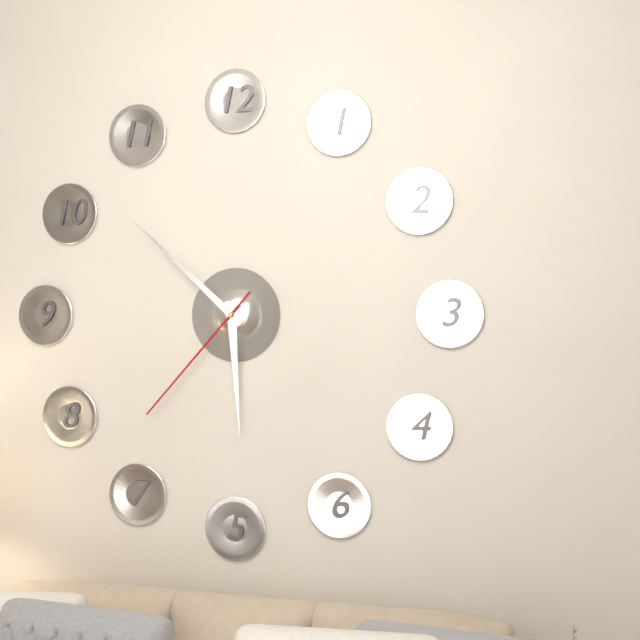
5.52.37
